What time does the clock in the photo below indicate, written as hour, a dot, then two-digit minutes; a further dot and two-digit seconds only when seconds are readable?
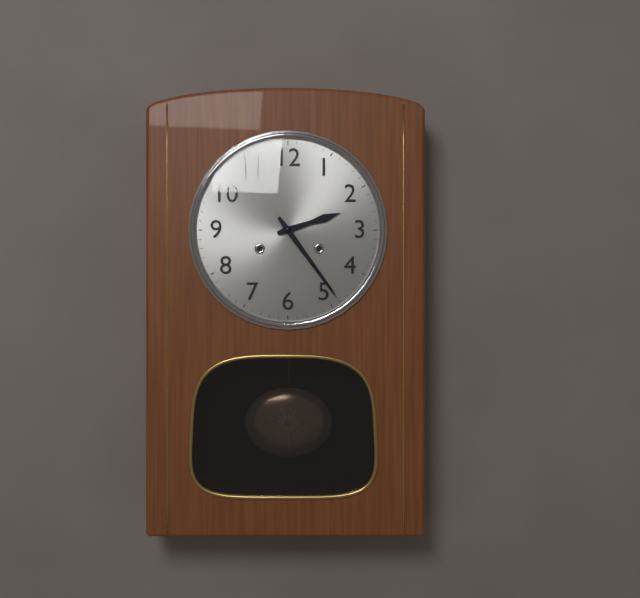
2.24
